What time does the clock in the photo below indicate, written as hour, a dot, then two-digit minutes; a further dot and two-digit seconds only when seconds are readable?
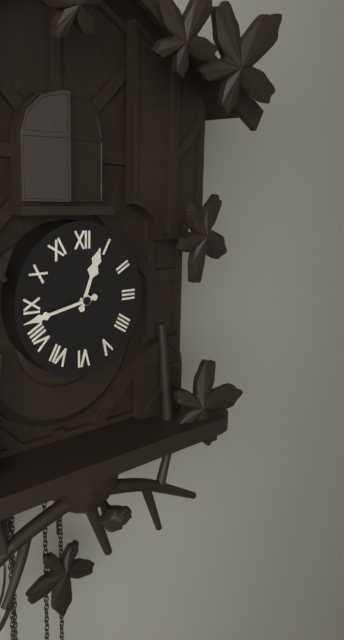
12.43
